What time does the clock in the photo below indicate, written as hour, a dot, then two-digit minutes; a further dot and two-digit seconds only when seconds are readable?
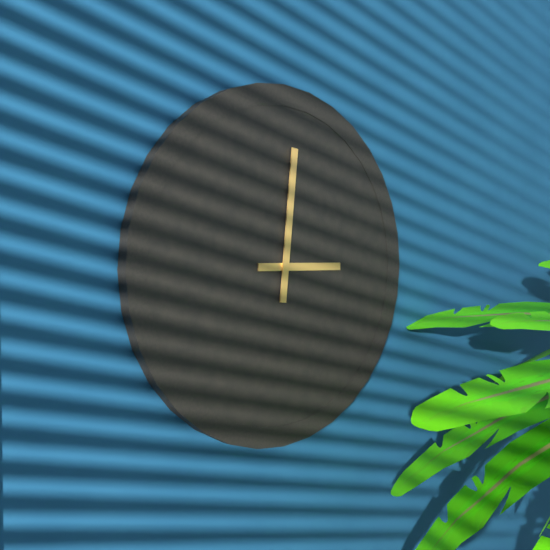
3.01
